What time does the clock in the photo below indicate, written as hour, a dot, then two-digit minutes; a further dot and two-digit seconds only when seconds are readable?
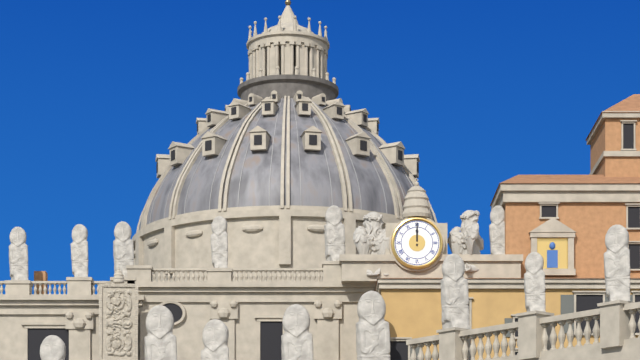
12.00
